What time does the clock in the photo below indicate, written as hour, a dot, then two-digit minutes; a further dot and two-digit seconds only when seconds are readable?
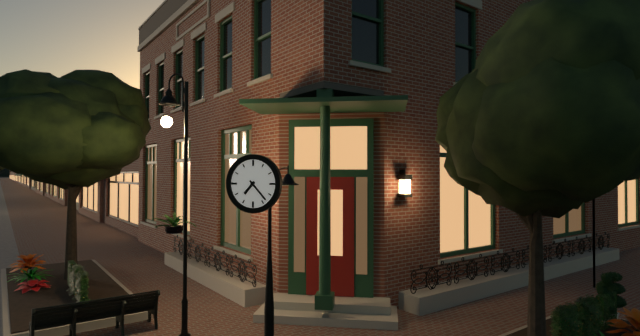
7.23
